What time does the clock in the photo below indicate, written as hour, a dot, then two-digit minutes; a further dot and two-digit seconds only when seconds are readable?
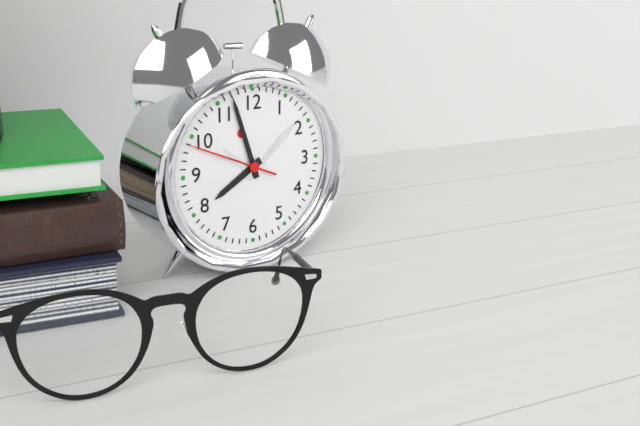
7.57.49
